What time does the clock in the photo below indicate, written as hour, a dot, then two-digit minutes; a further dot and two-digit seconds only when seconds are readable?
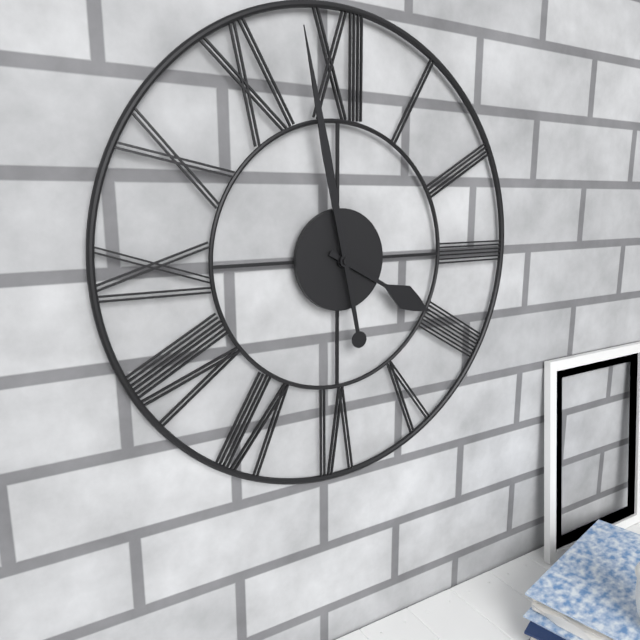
3.58
